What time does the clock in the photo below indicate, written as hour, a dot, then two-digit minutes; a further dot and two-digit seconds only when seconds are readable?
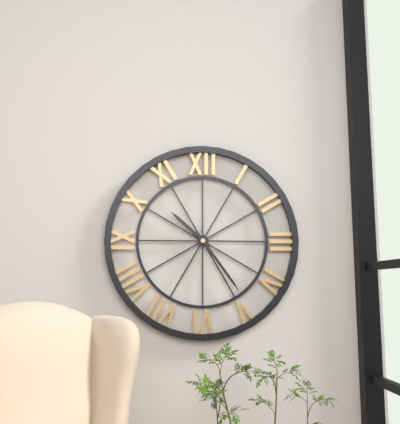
10.24
